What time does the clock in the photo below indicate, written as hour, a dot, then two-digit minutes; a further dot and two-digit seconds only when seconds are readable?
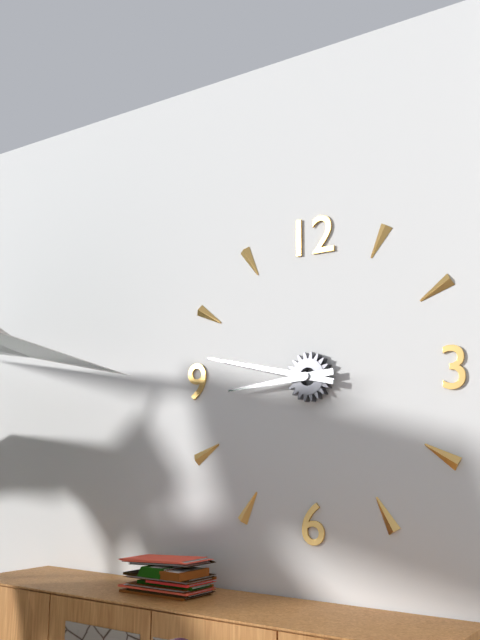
8.47
